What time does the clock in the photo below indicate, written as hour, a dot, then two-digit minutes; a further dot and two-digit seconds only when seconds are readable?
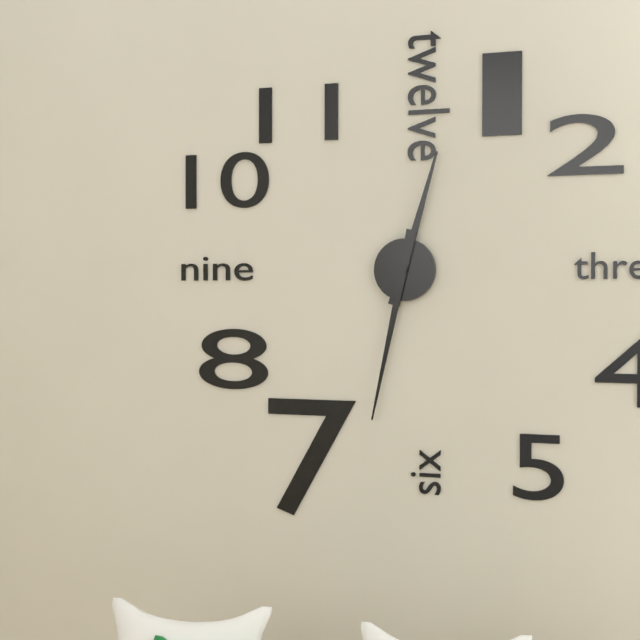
12.32
